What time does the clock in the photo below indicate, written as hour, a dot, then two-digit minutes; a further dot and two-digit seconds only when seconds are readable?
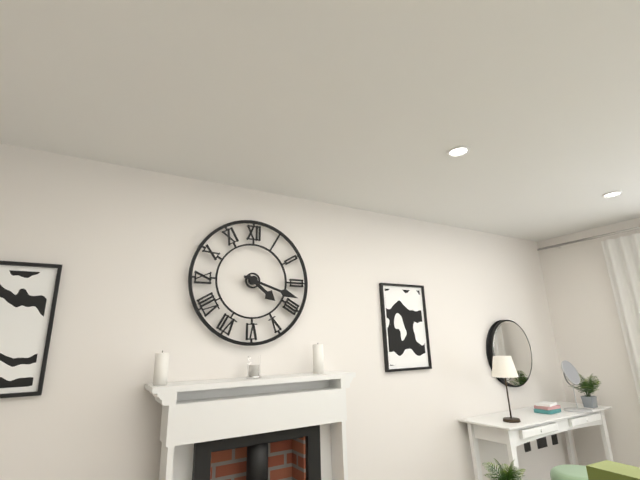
4.18
